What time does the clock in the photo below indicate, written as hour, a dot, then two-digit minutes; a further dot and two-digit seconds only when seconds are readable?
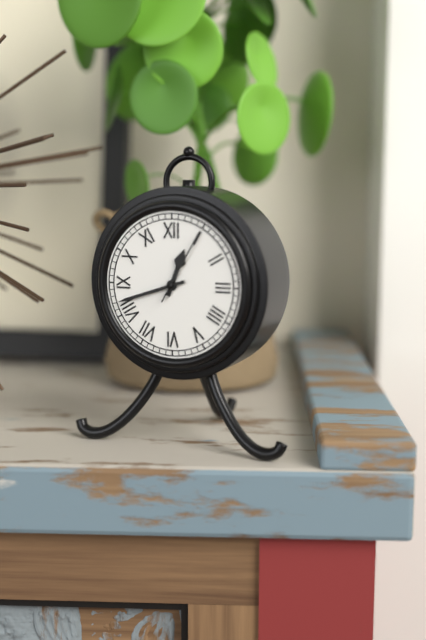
12.42.05
